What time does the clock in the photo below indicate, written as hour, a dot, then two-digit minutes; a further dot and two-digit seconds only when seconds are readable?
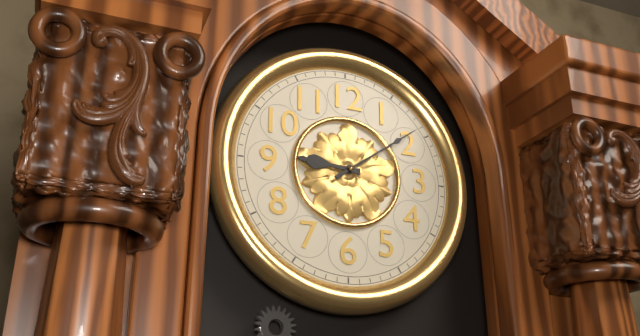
9.09
